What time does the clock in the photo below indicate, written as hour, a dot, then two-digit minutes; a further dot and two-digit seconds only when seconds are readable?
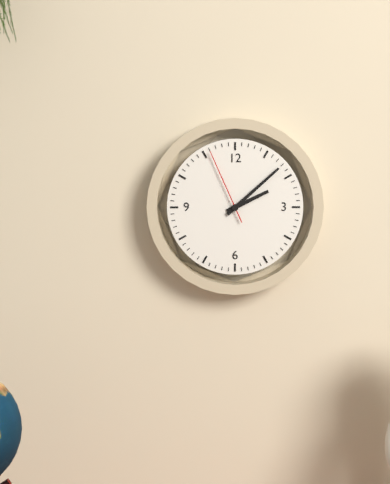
2.08.56
